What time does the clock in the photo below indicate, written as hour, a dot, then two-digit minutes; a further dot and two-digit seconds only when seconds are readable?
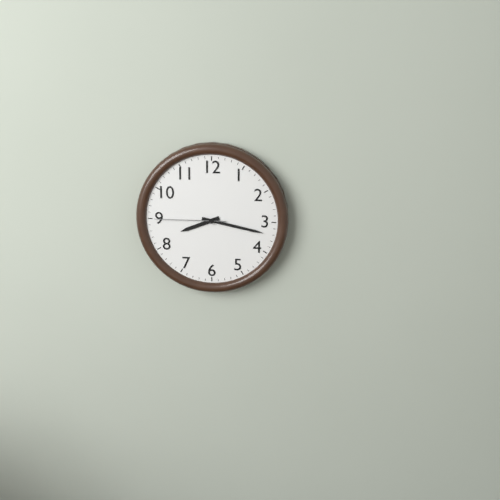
8.17.45
